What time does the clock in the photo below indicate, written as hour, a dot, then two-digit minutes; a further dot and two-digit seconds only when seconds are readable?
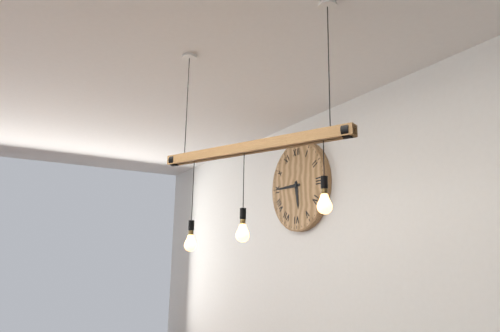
5.45
